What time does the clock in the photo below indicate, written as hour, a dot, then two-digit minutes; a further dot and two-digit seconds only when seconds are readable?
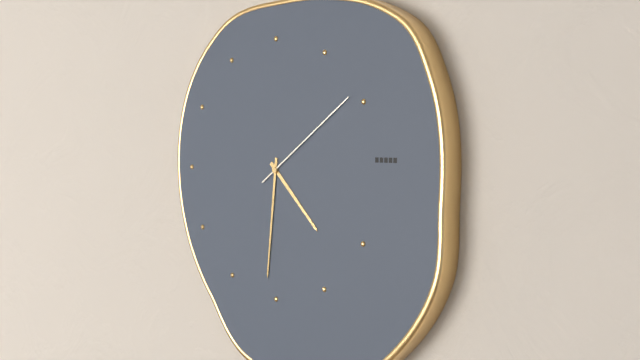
4.31.09
